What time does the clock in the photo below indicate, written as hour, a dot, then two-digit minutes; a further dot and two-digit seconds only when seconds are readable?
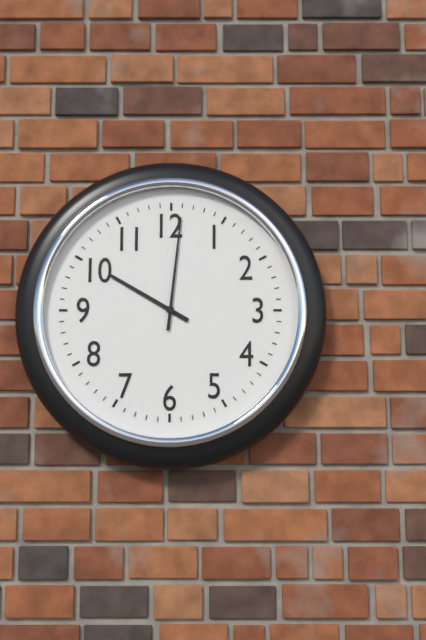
10.01
